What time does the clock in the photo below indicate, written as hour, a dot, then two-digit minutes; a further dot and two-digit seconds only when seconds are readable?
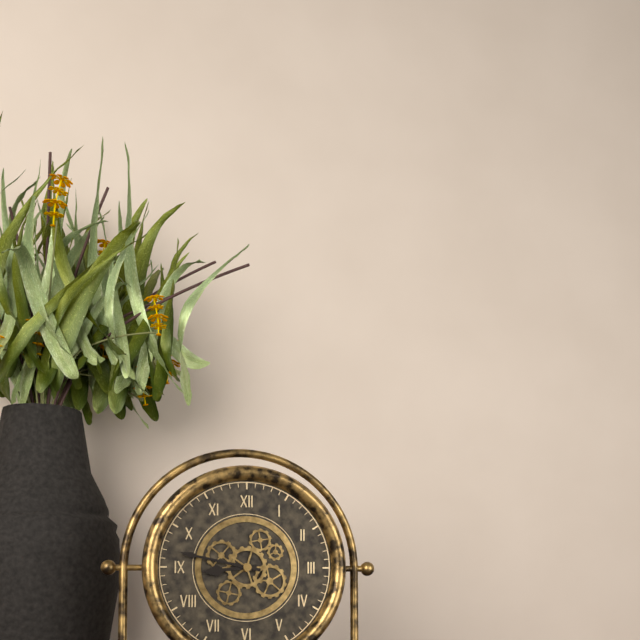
8.47
